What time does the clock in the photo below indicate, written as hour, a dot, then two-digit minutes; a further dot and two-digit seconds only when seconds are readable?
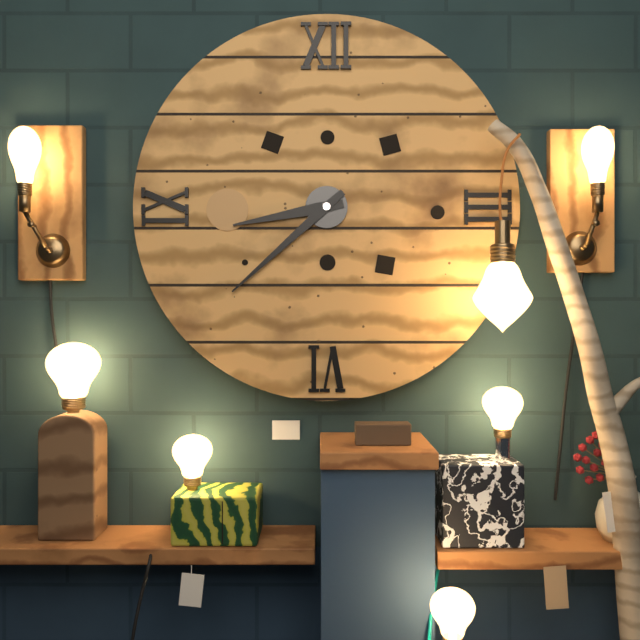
8.38
